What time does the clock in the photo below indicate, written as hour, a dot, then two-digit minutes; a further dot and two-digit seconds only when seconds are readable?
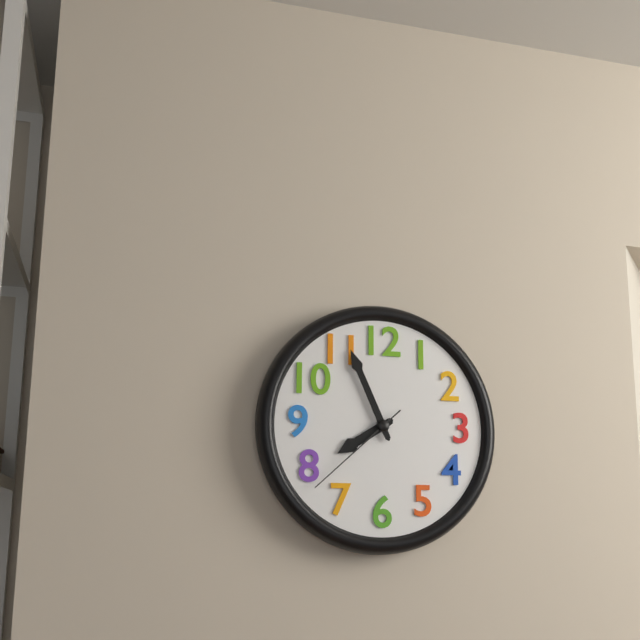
7.56.38
